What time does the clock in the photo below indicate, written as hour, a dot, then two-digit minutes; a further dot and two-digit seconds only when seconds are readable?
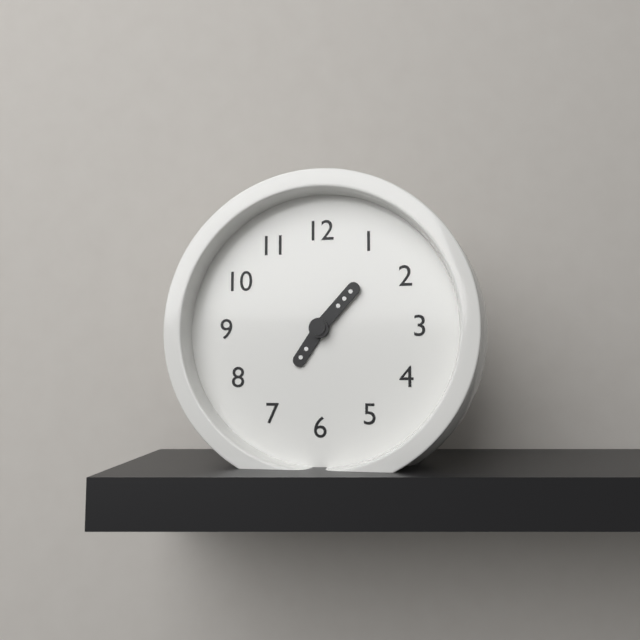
7.07
